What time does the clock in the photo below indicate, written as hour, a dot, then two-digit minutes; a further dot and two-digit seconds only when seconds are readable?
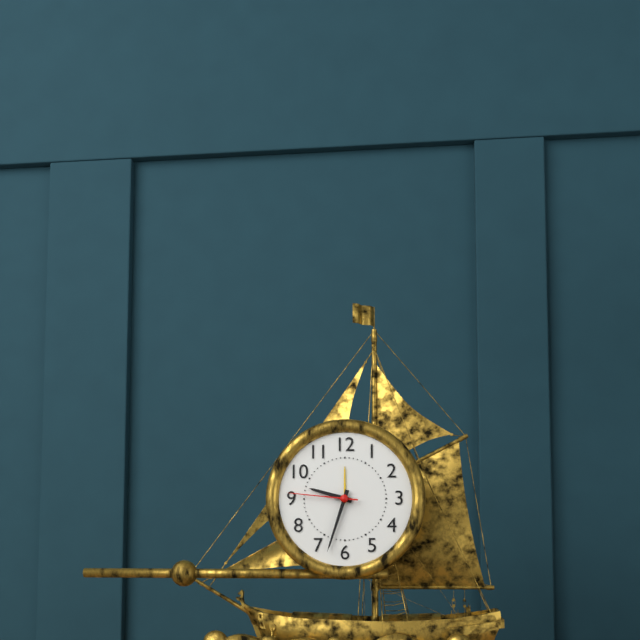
9.33.46
